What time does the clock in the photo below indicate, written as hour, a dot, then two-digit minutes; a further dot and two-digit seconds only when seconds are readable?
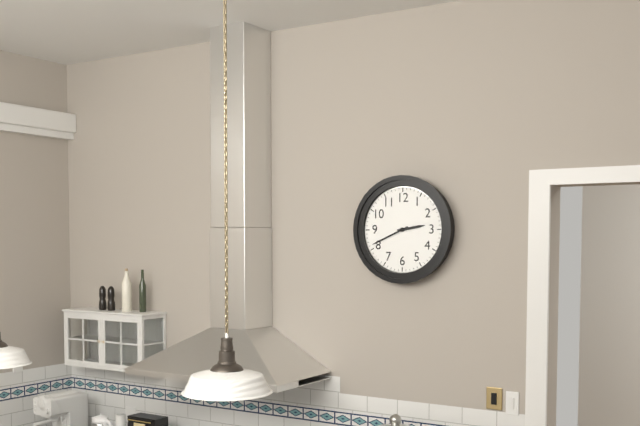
2.41
